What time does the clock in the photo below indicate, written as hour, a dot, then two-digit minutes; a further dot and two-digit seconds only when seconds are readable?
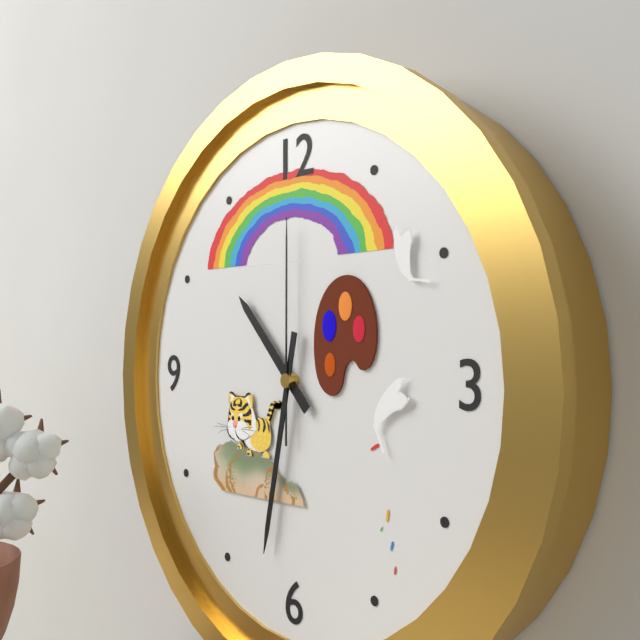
10.32.00
